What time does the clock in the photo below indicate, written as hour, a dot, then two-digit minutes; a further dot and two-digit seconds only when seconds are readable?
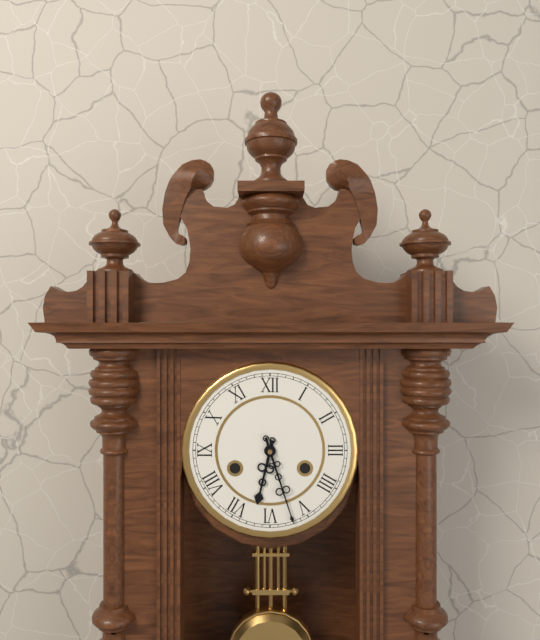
6.27
